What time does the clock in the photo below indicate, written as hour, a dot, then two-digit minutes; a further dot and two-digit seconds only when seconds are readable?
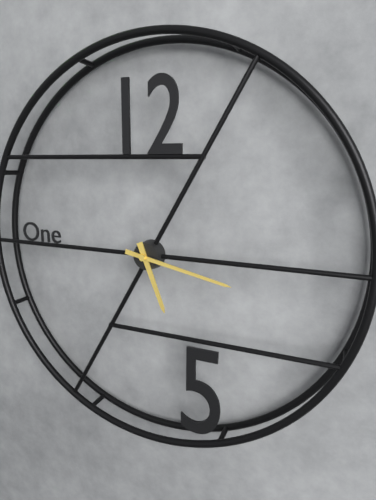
5.17
